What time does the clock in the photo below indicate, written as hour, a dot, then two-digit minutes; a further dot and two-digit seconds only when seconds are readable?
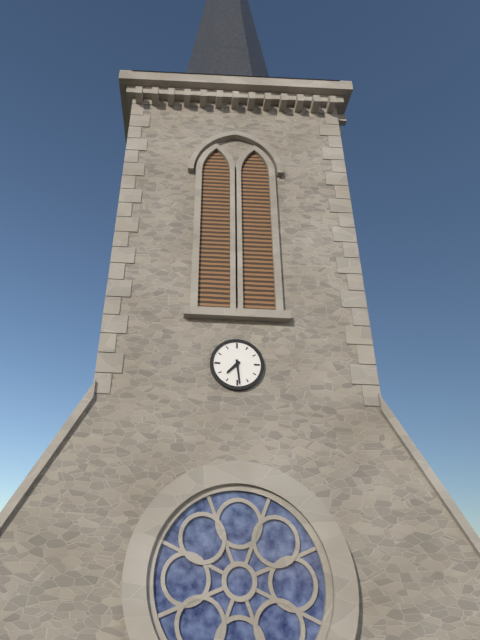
7.29
